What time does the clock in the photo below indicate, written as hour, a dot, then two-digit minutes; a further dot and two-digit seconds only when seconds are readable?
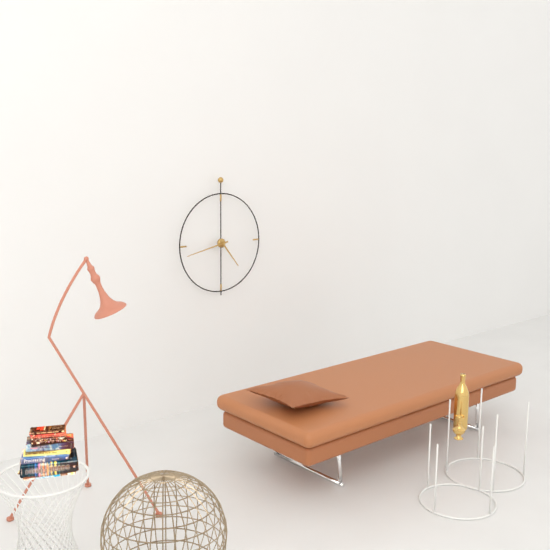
4.43
